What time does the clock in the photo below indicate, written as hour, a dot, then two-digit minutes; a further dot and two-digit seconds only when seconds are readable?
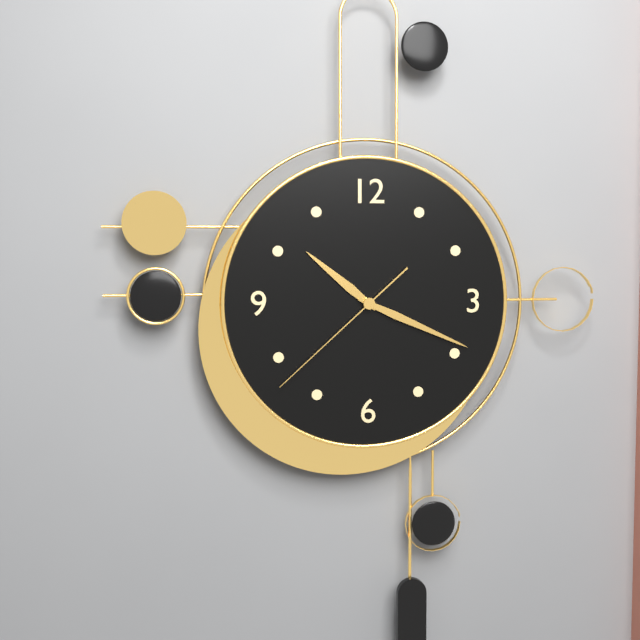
10.19.38
